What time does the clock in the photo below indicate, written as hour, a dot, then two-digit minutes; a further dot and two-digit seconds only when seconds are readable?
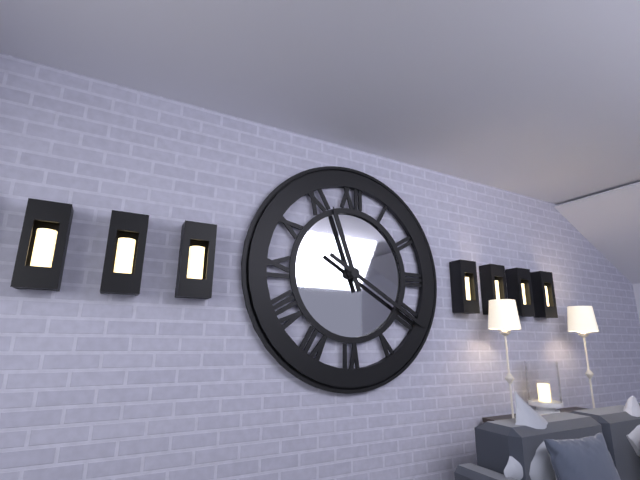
11.20
